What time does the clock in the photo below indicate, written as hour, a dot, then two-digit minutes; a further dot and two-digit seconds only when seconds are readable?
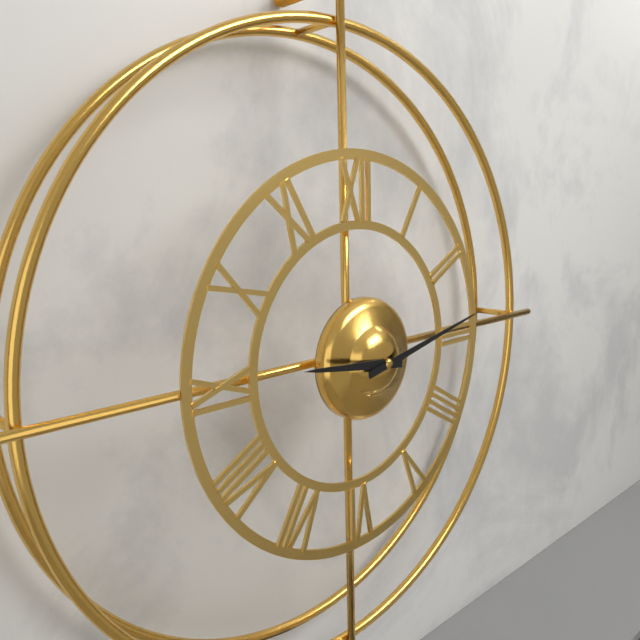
9.13
